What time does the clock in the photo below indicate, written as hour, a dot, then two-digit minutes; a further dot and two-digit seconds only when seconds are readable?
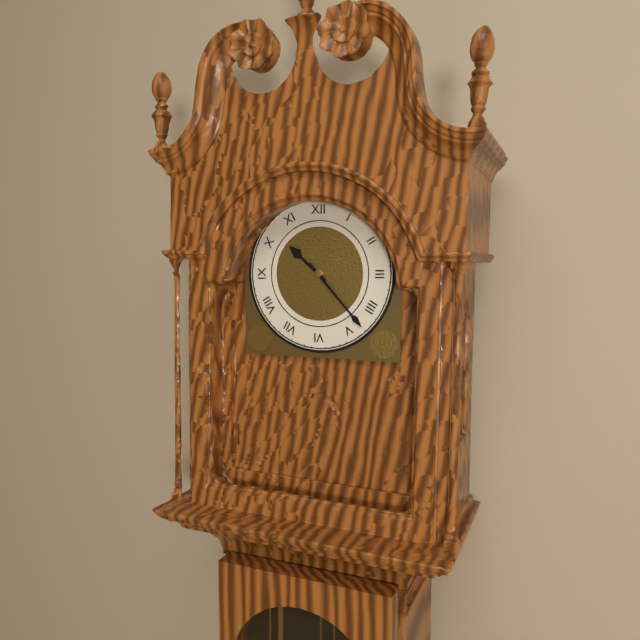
10.23
